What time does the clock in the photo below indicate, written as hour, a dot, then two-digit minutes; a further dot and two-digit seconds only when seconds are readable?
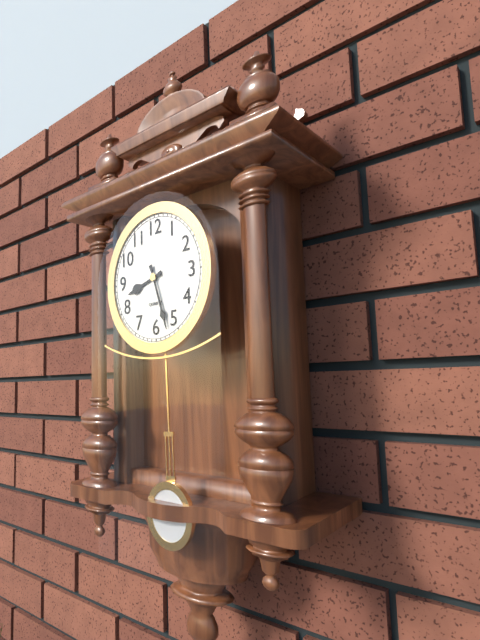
8.27
